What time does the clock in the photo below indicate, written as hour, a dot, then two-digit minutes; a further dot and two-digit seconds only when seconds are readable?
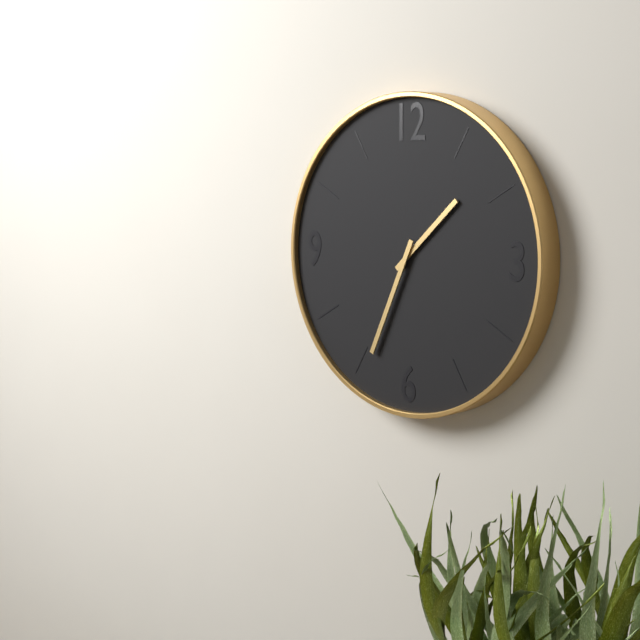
1.34
